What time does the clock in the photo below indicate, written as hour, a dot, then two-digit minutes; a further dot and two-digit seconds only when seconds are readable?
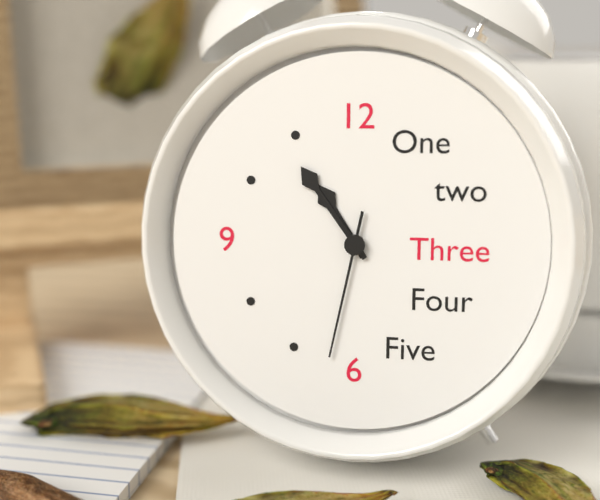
10.54.32
